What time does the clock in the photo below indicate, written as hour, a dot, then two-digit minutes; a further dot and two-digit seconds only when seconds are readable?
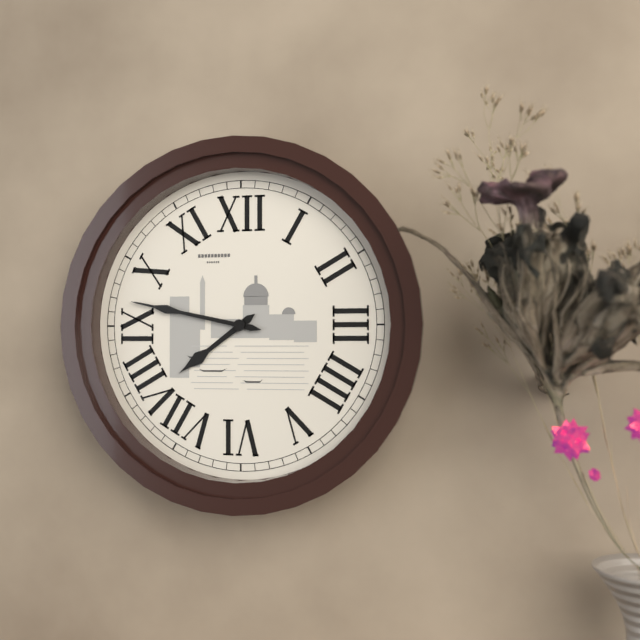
7.47
